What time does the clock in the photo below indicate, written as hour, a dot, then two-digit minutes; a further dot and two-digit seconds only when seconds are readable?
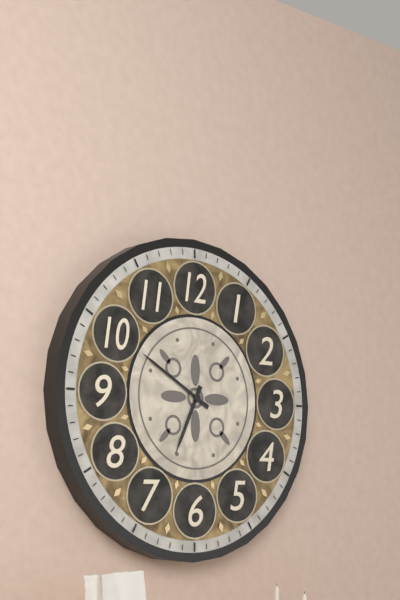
6.50
